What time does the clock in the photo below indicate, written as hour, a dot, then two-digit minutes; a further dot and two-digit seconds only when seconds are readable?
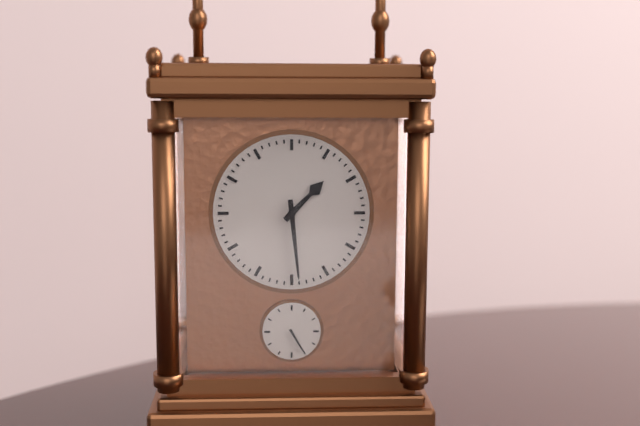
1.29
